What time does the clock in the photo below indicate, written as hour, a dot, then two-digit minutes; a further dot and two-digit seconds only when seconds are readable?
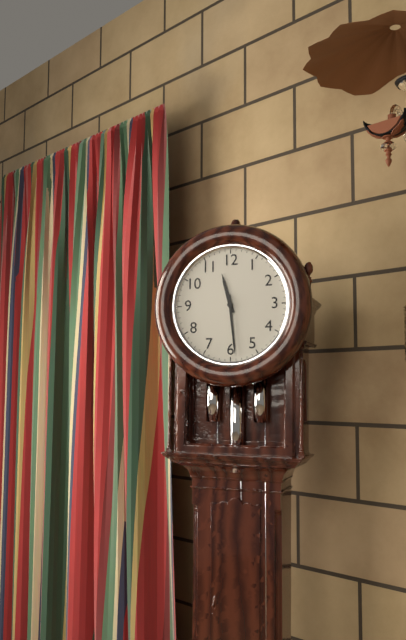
11.29
